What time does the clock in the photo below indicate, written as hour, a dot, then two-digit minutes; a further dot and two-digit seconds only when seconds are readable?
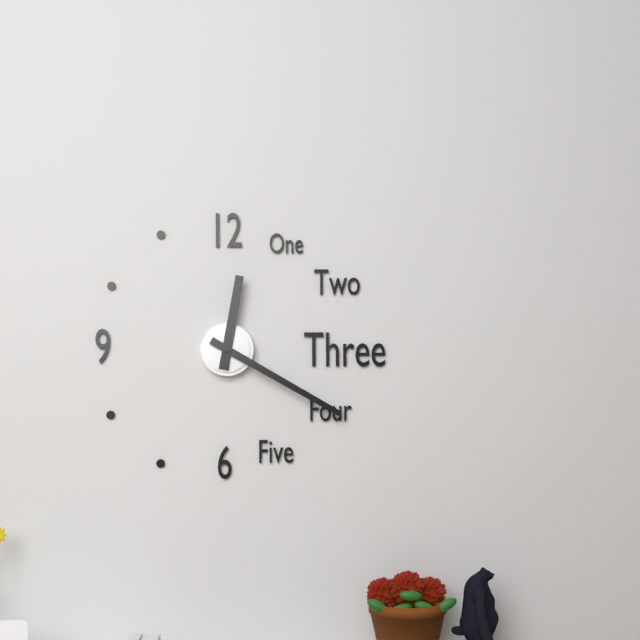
12.20
